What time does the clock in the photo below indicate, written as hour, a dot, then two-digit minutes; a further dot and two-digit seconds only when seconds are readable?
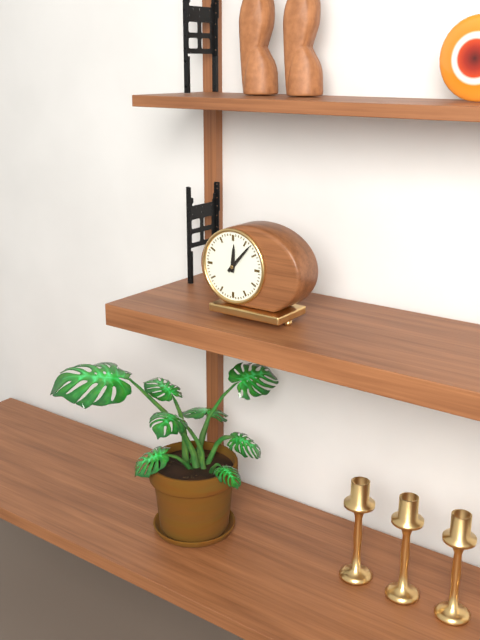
12.07
